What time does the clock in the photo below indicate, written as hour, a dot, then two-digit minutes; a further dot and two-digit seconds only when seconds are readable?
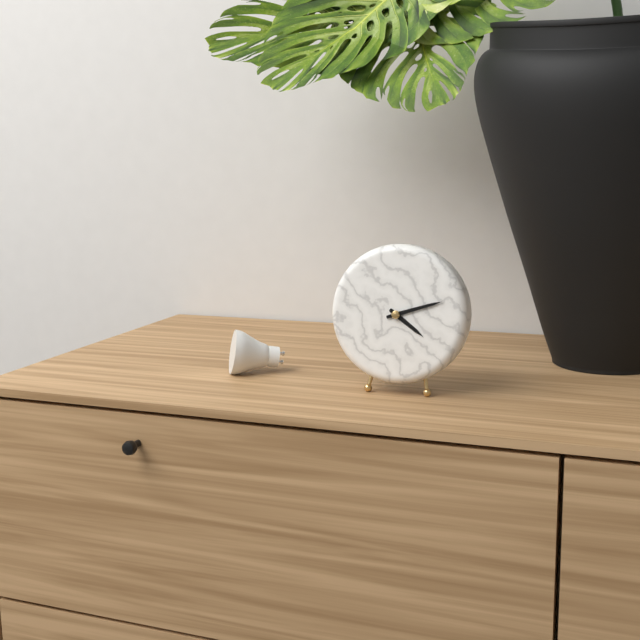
4.12
